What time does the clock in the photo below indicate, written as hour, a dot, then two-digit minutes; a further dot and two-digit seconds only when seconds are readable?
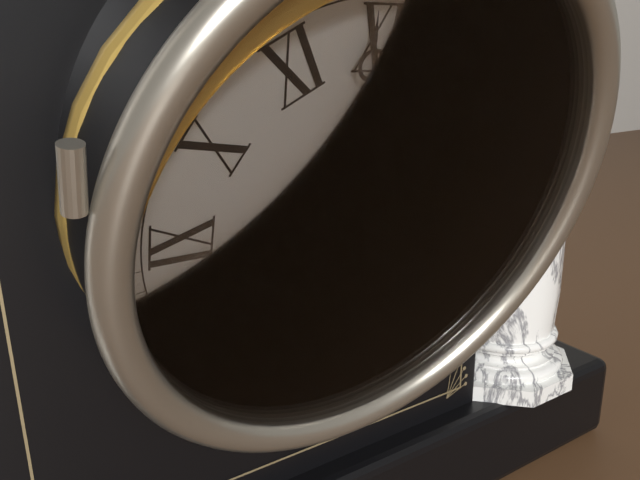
7.59
